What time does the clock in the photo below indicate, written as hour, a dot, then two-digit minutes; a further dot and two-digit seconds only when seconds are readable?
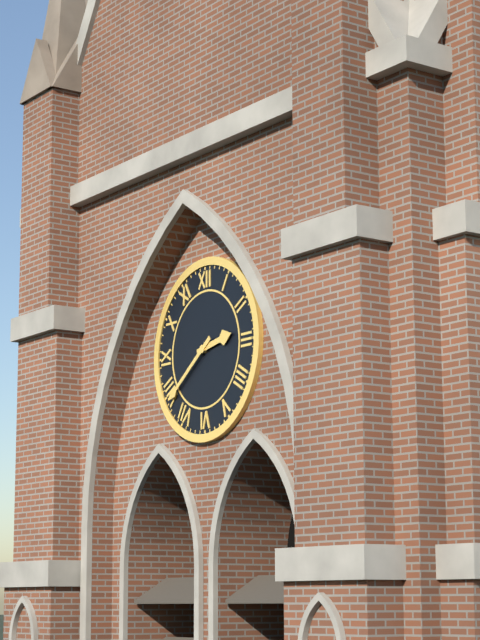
2.39
